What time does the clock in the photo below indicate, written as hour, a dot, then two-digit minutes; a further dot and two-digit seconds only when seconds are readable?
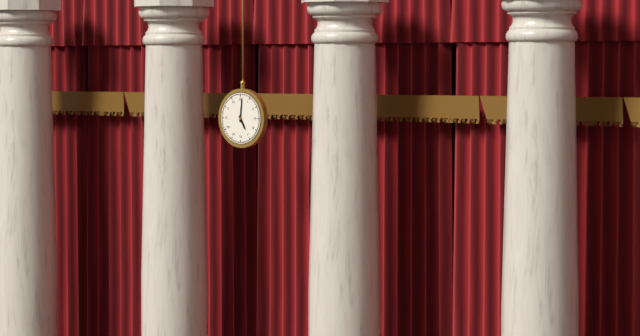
5.01
